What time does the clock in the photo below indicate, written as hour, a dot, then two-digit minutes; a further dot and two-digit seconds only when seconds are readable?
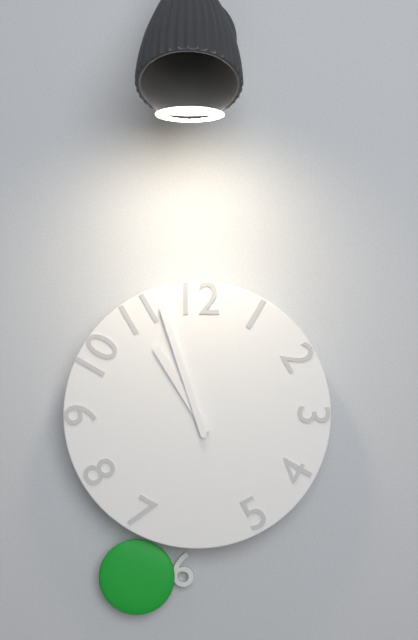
10.57
